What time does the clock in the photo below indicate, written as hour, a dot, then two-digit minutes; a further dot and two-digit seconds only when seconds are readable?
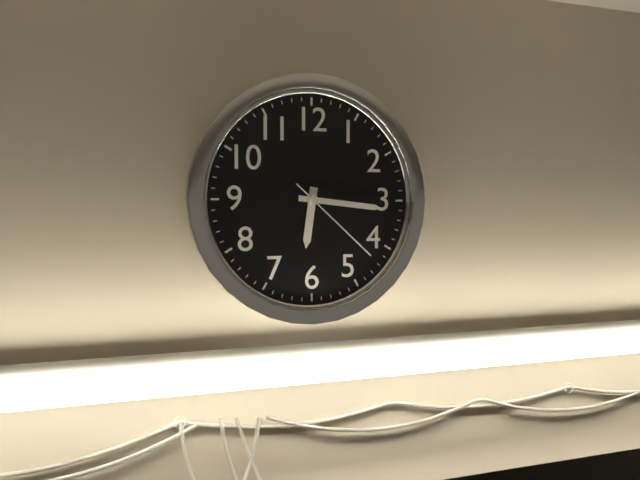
6.16.22
